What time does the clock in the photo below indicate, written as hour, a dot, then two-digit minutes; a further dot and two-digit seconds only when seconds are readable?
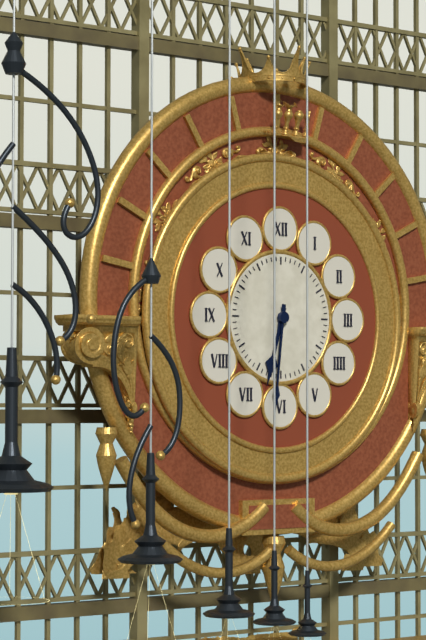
6.31
